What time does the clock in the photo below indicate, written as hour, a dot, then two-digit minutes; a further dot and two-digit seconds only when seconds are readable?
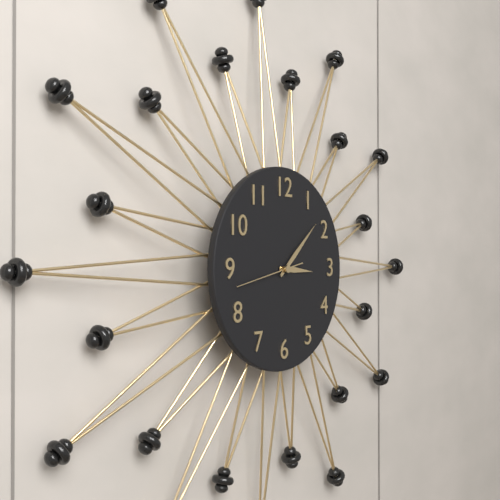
3.08.43
